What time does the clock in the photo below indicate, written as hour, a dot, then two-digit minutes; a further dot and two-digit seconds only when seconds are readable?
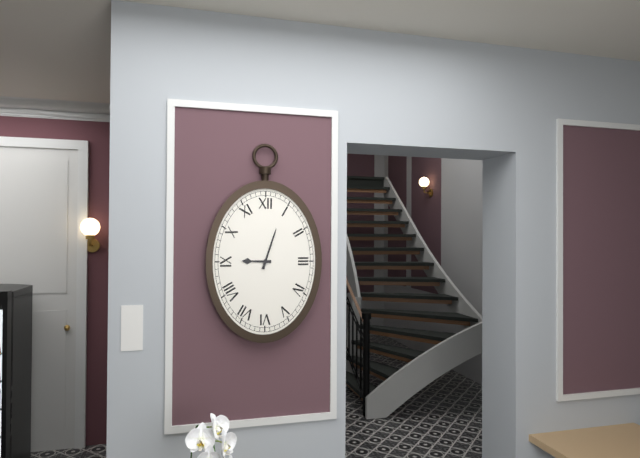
9.03
